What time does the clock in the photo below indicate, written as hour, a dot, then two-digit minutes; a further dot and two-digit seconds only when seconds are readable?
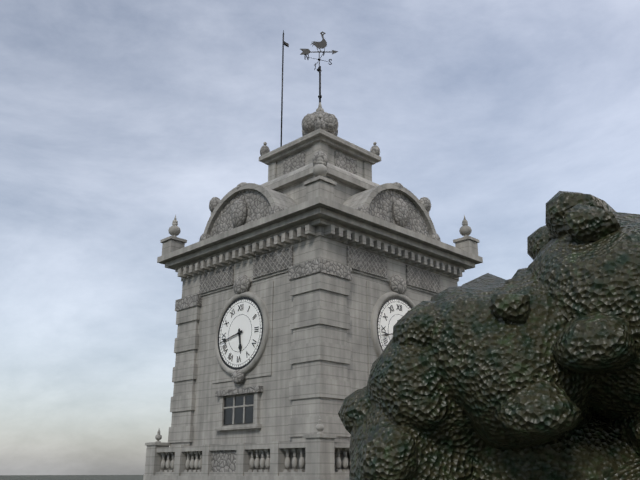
5.43
